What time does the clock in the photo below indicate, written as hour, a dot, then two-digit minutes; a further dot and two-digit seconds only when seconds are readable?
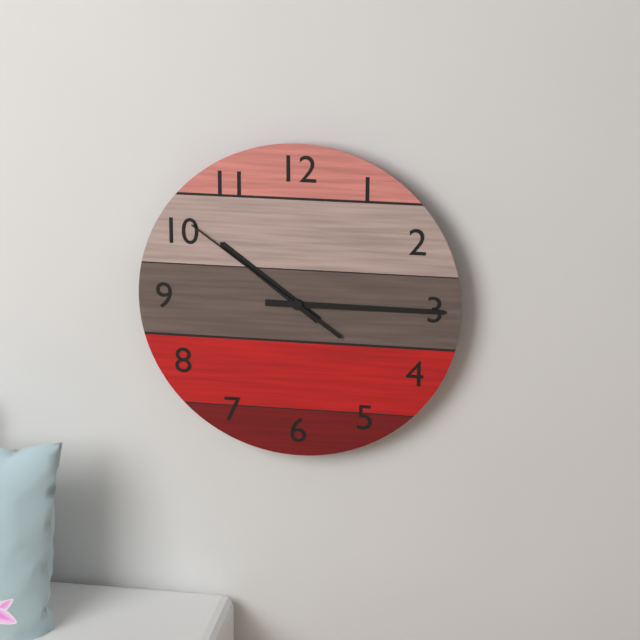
10.15.51
